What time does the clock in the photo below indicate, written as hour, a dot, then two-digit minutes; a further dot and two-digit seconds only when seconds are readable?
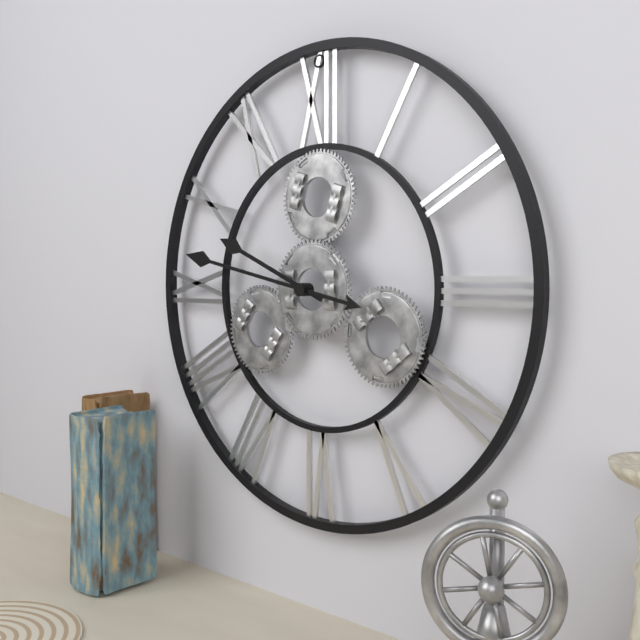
9.47
